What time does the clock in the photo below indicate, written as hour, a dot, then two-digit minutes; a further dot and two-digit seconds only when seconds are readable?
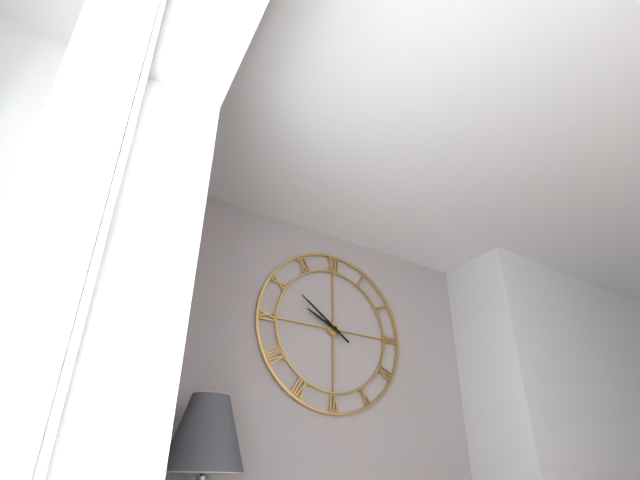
9.51
